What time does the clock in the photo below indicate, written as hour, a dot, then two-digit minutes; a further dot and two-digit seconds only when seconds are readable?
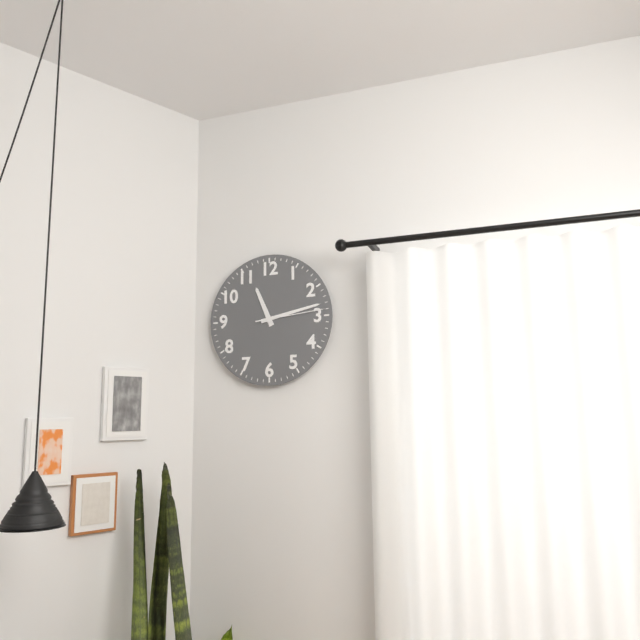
11.13.14
